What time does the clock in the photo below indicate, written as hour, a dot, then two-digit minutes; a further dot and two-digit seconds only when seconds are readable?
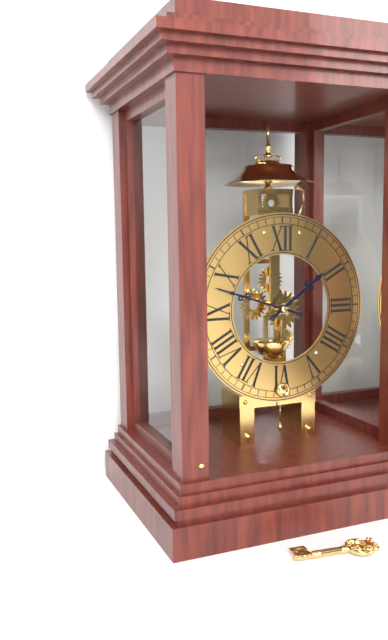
1.48
